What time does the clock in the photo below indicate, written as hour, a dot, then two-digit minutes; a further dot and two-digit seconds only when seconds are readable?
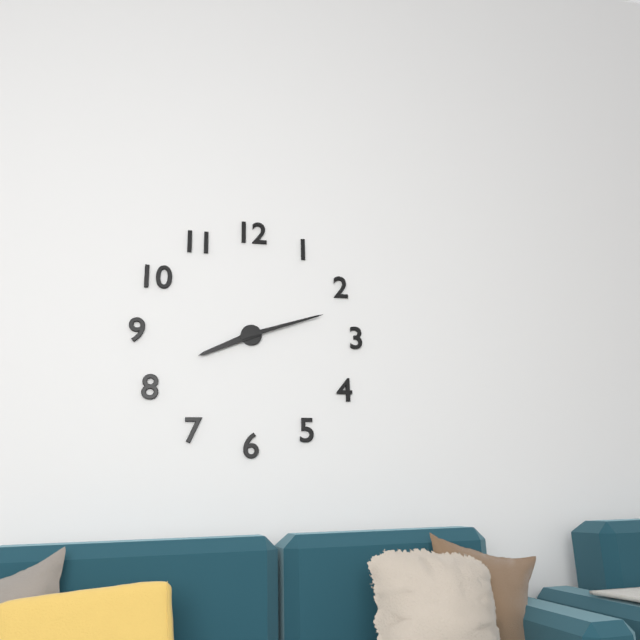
8.12
